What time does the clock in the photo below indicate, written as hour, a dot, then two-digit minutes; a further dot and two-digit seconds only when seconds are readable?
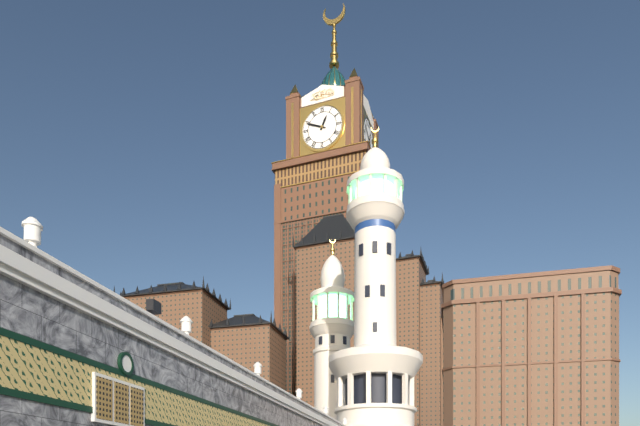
12.49
